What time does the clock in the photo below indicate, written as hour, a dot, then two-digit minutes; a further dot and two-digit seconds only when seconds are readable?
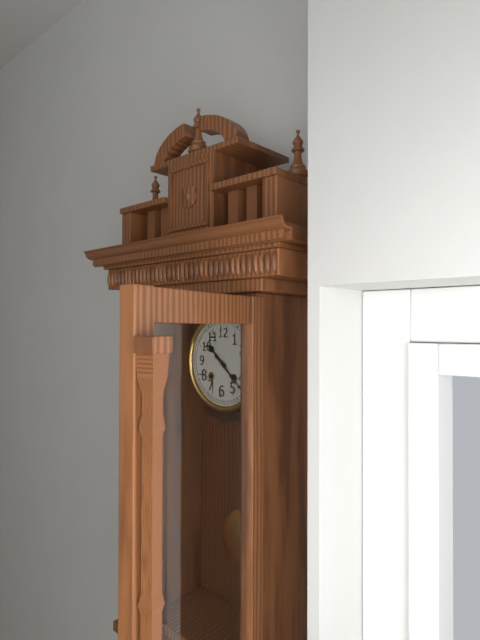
10.22
